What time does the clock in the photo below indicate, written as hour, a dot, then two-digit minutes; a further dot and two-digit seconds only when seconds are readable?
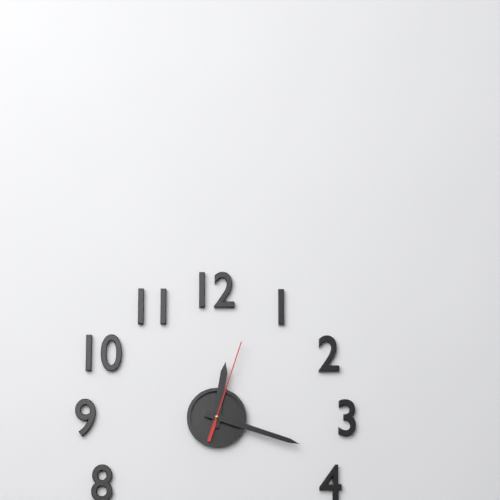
12.18.03
